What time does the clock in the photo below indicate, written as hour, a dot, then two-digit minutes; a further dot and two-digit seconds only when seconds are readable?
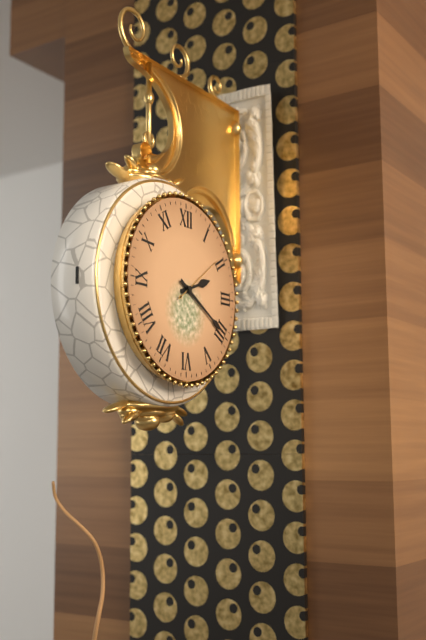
2.20.09
